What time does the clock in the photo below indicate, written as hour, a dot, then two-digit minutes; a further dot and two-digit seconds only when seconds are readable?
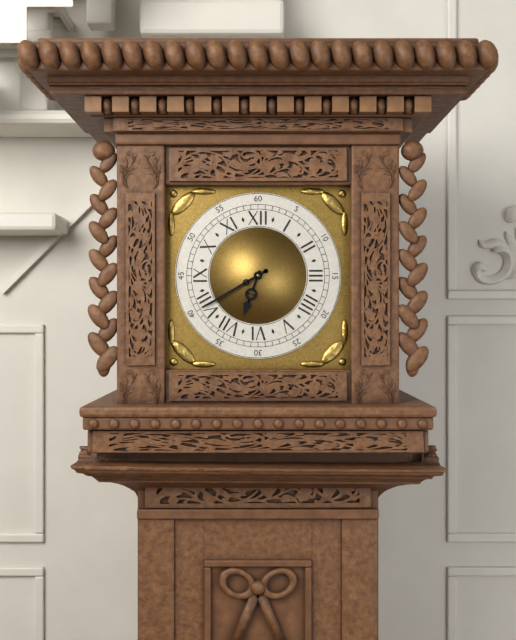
6.40
